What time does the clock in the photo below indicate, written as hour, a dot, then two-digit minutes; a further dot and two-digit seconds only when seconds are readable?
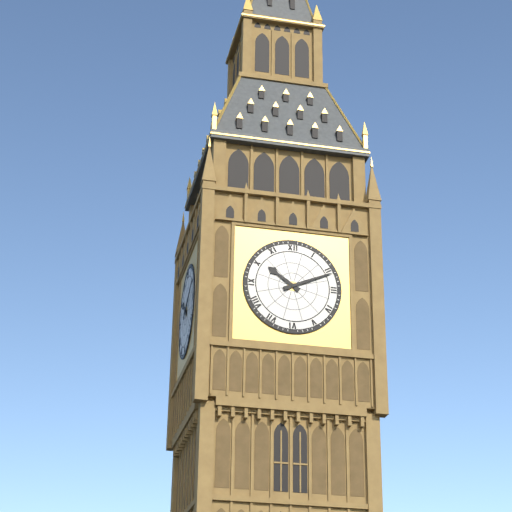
10.11
